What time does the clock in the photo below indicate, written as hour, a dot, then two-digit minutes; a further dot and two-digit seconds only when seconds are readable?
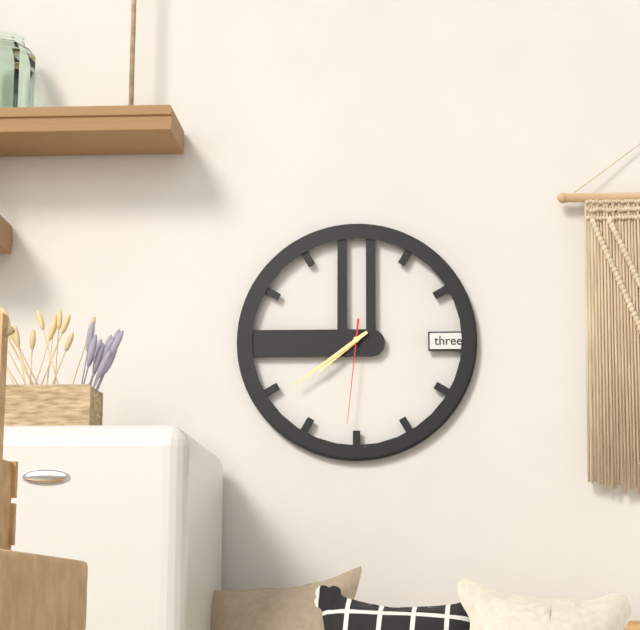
7.39.31
